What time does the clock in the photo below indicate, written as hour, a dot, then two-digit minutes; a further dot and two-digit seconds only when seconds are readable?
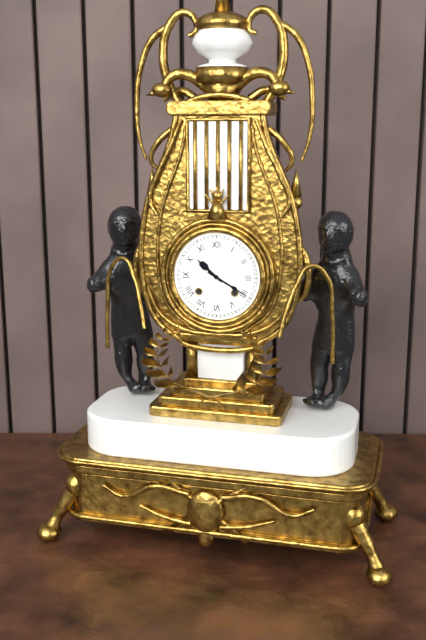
10.20
